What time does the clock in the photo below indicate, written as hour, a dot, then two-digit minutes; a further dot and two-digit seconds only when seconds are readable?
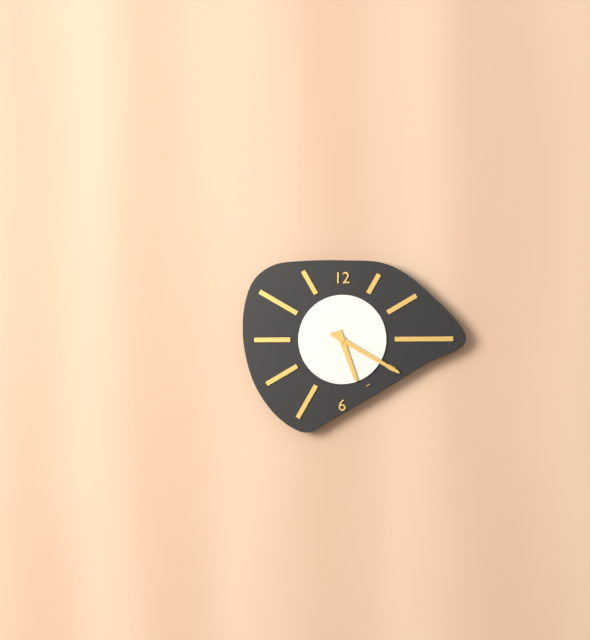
5.20
